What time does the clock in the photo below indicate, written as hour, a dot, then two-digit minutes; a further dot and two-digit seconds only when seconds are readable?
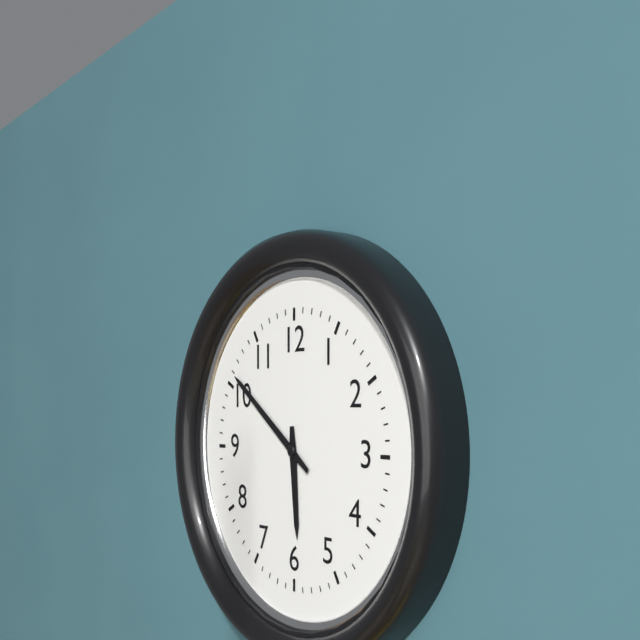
5.51
